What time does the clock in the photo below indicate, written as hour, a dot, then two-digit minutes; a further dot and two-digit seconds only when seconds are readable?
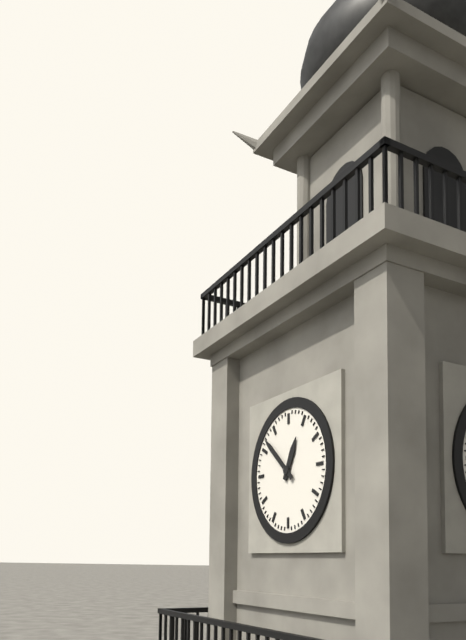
12.52
